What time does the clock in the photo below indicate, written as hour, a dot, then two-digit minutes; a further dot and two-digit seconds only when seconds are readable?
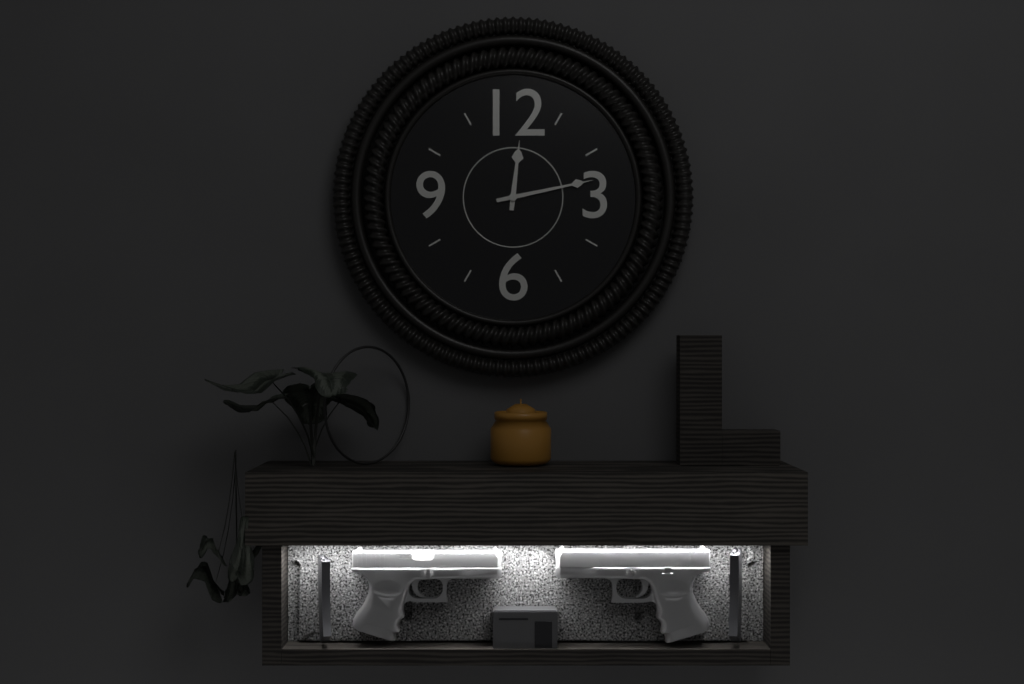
12.13
